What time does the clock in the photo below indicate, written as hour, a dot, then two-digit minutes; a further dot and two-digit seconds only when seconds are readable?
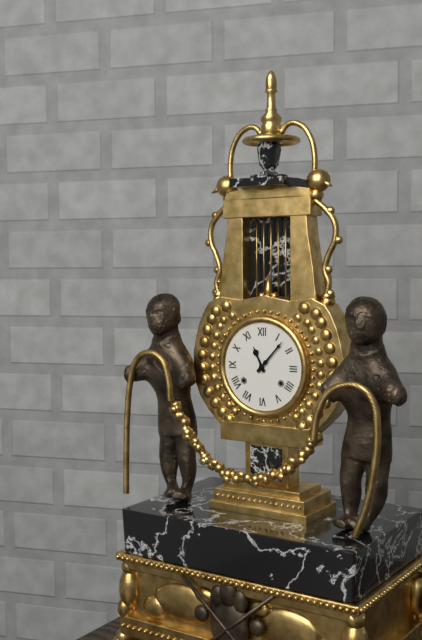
11.07
